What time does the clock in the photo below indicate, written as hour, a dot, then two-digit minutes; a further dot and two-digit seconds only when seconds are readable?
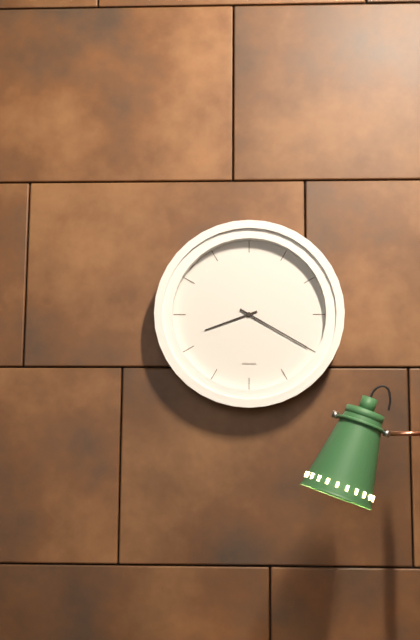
8.20
